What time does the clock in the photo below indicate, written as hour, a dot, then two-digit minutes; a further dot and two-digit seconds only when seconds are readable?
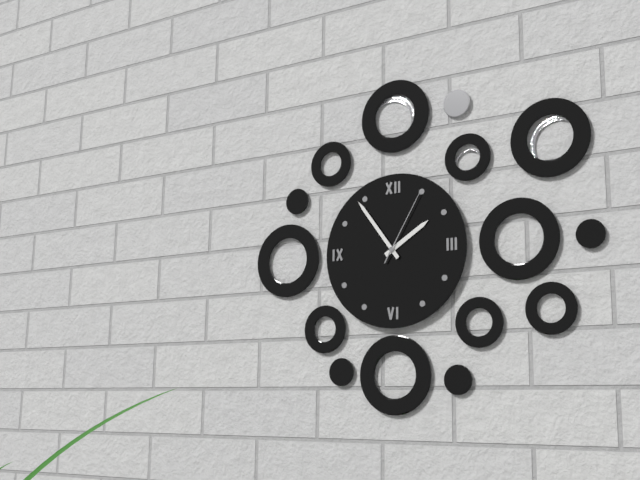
1.54.05
